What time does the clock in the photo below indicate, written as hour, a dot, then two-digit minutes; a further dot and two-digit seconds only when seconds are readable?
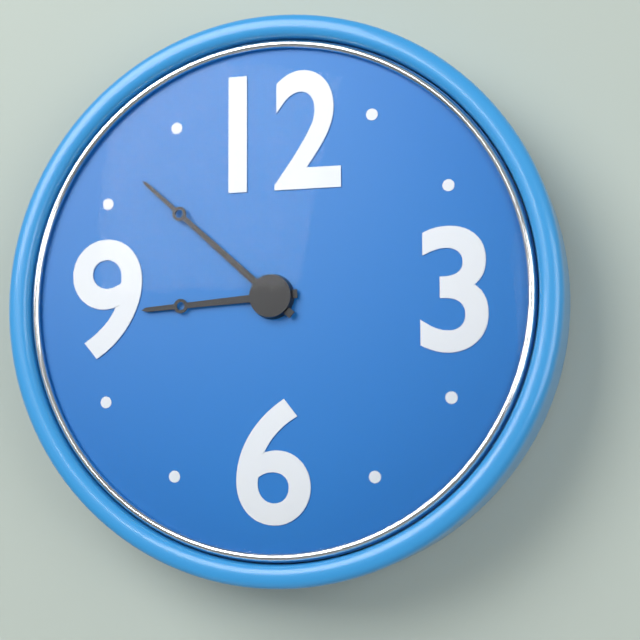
8.52
